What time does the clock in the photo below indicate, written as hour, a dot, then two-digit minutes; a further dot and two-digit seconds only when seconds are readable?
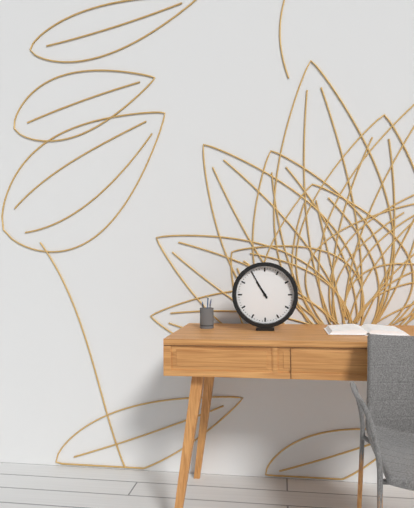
10.55
